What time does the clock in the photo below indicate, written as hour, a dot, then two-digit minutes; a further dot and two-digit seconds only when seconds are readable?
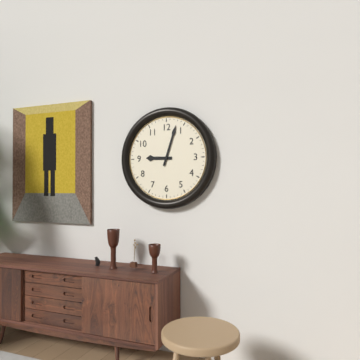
9.03
